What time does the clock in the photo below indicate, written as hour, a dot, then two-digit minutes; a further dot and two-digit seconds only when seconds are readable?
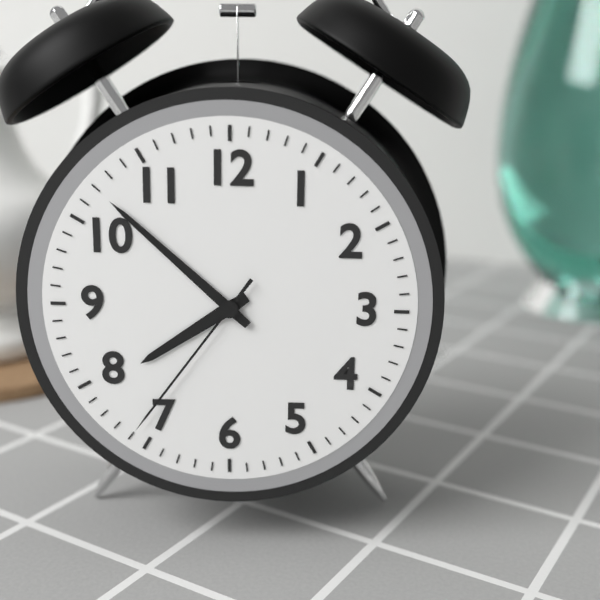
7.52.36
